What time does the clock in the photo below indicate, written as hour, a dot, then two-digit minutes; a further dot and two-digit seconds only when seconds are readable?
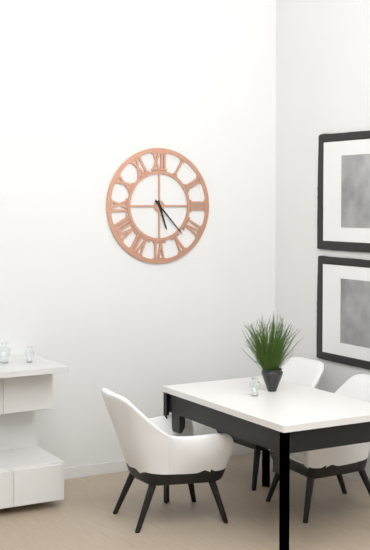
5.23
